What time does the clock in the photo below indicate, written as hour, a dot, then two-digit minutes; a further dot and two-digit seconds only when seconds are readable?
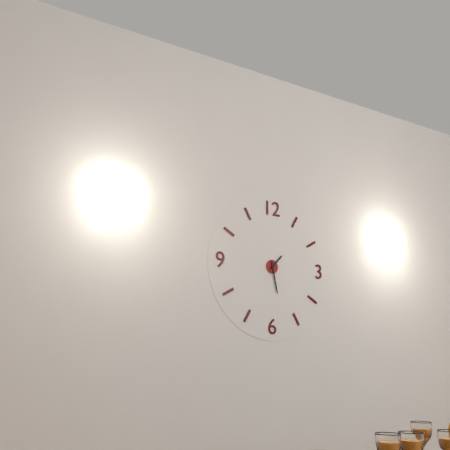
1.28
